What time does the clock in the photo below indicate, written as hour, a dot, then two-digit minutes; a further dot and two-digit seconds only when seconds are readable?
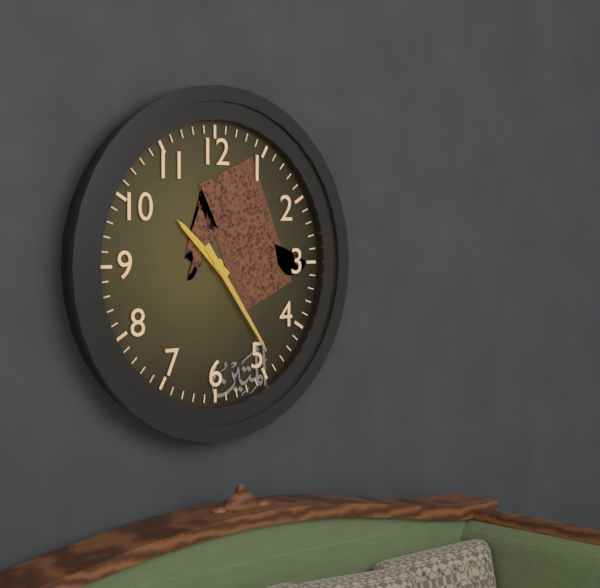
10.24
